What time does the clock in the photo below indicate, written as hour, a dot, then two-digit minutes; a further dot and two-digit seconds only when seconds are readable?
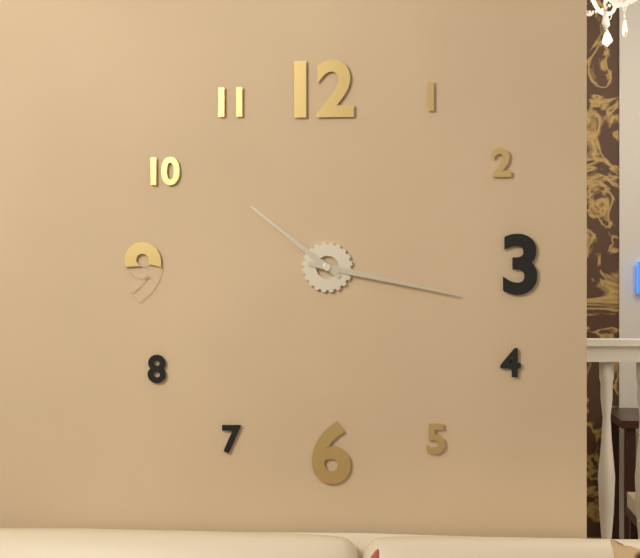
10.17
